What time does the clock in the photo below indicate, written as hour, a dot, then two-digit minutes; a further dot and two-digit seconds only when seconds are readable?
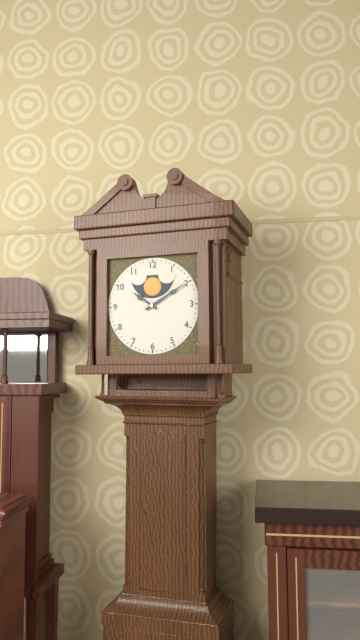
10.10
